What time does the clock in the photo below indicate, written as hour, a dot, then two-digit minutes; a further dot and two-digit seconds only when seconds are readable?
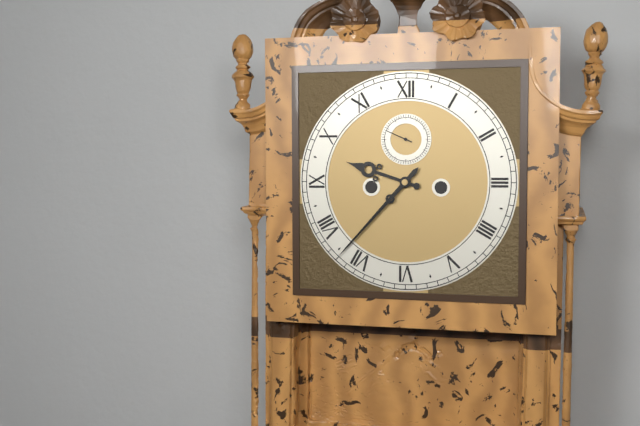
9.37
